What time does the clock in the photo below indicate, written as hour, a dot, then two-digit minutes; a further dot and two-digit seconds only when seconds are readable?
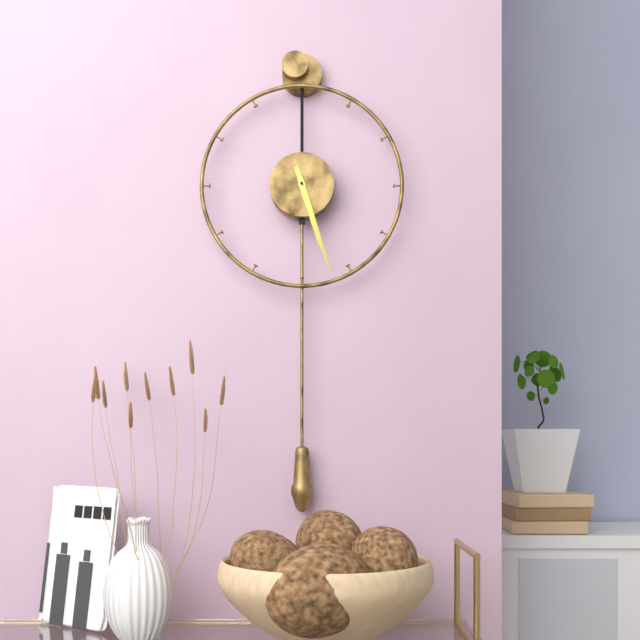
5.27
